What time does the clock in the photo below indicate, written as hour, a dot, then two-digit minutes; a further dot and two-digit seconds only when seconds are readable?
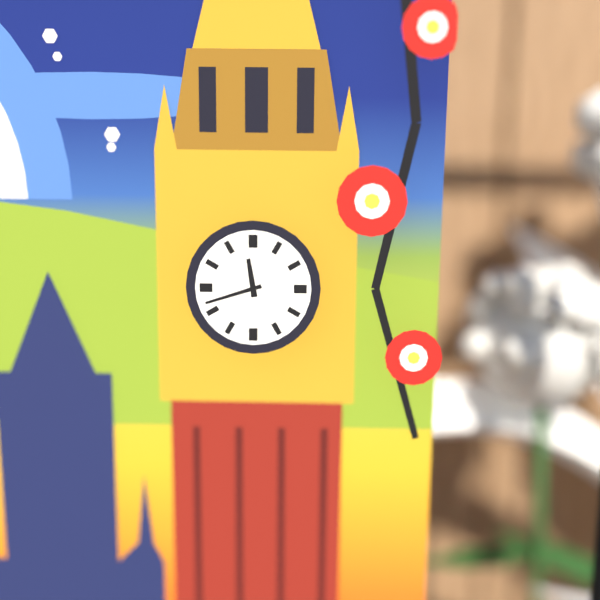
11.42
